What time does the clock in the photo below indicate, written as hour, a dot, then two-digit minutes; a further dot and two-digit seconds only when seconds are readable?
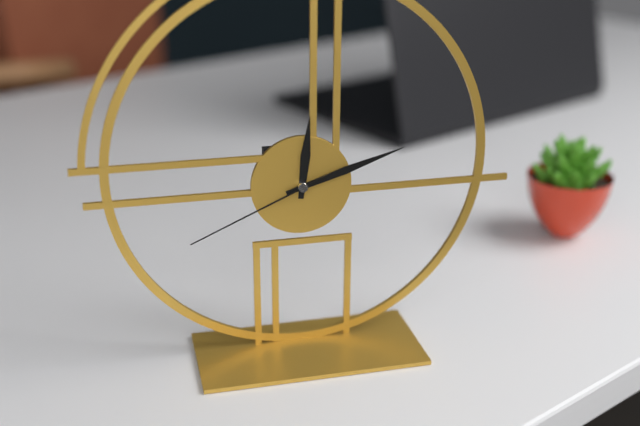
12.12.41
